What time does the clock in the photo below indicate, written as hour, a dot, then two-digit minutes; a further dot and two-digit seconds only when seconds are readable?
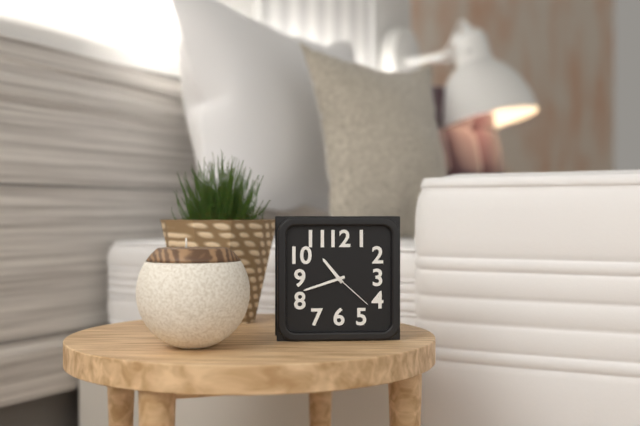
10.42.22
